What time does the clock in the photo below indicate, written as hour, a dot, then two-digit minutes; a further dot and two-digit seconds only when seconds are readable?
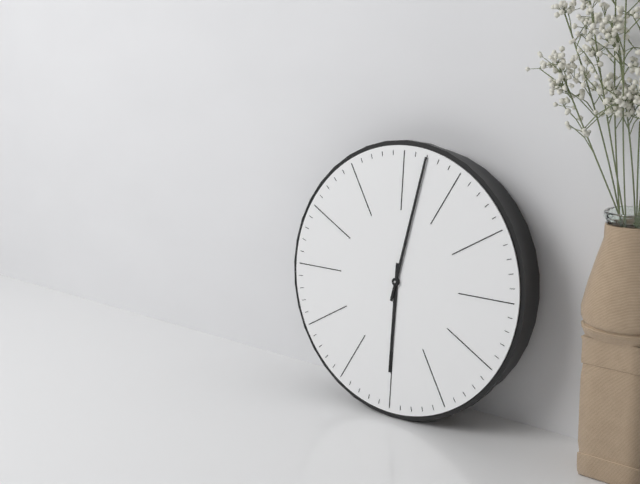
6.02
